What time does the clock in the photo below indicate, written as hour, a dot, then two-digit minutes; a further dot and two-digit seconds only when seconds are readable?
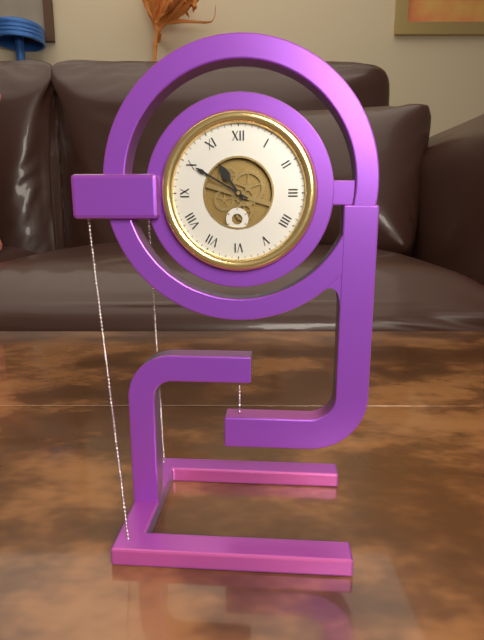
10.50
